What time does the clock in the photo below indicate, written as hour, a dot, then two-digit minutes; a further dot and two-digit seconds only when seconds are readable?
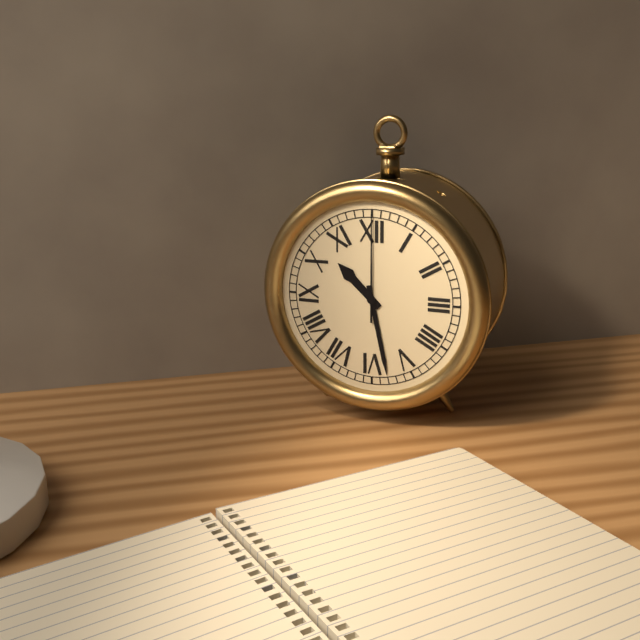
10.28.00
